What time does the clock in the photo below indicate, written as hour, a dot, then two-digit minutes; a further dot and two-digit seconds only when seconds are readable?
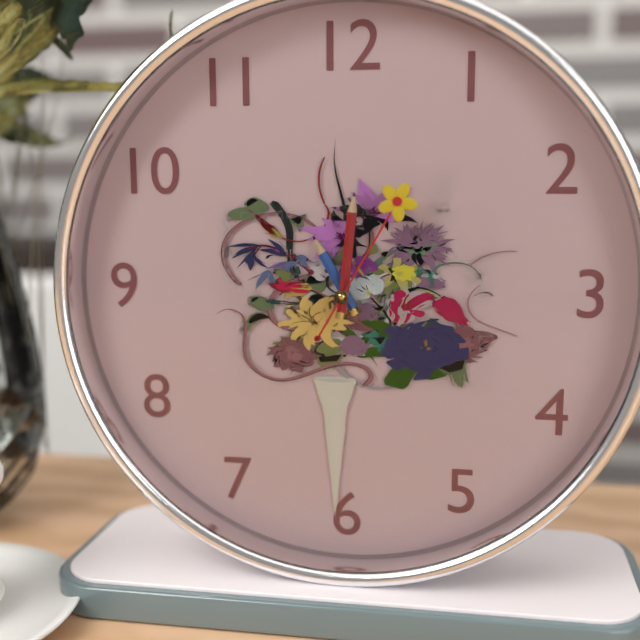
11.01.05
